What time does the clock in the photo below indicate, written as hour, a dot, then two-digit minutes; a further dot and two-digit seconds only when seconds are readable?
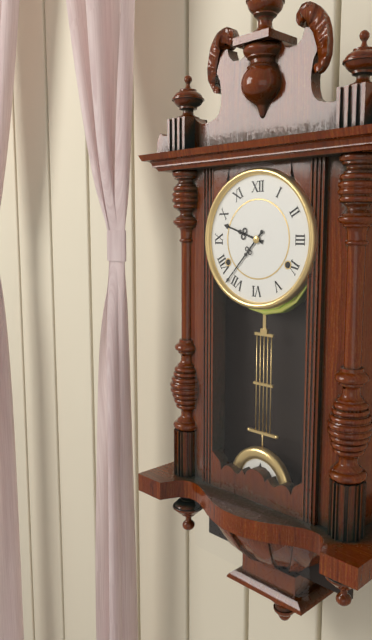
9.37
